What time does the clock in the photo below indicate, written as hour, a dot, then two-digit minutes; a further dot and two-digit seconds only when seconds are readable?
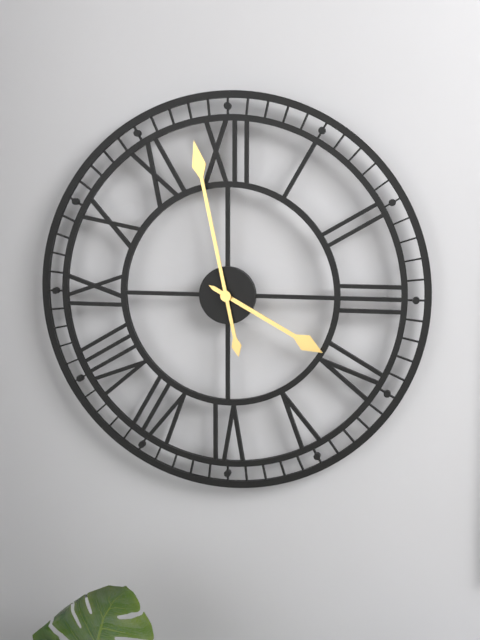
3.58
